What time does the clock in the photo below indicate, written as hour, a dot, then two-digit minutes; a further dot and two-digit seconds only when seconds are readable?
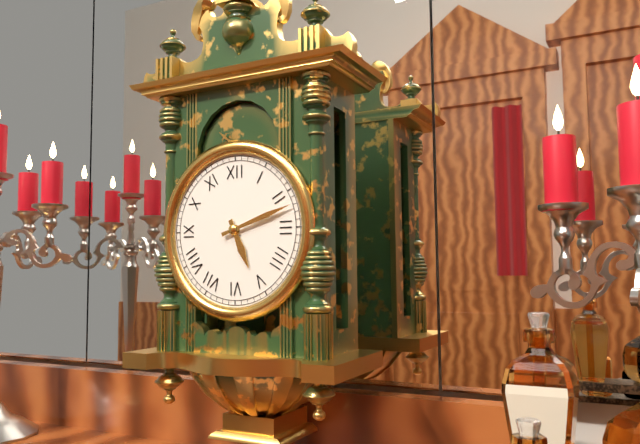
5.12
